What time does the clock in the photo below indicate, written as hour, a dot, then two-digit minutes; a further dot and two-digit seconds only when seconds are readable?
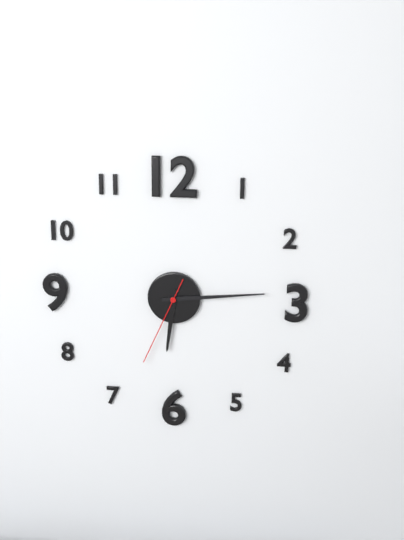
6.14.34
